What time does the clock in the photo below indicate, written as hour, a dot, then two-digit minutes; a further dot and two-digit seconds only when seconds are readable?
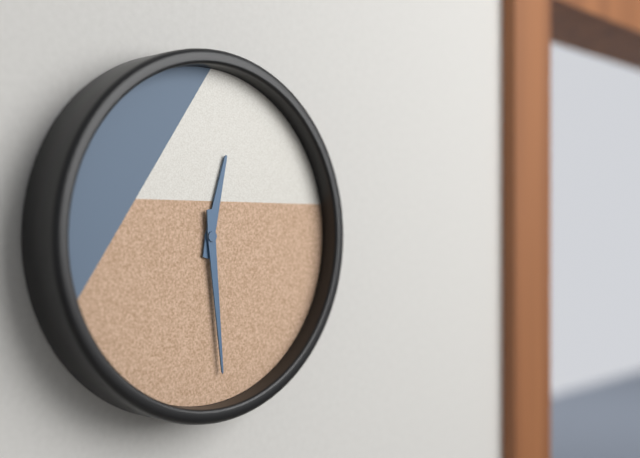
12.29
